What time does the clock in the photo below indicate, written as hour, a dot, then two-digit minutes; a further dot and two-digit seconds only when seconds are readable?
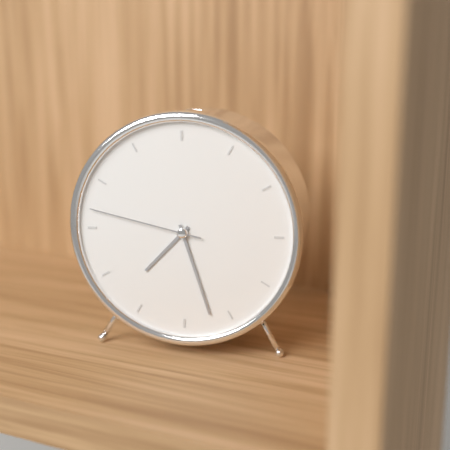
7.27.47
